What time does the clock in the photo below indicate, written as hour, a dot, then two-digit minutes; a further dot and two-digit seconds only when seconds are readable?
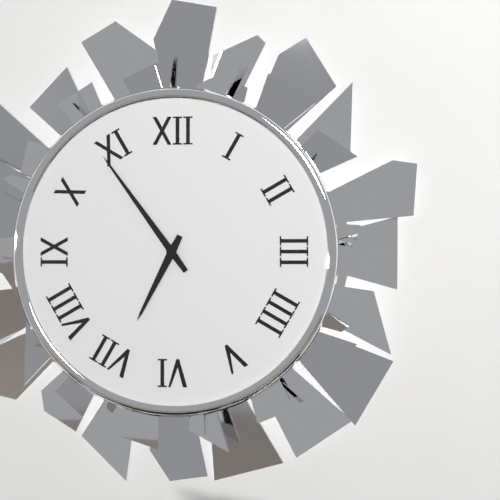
6.54
